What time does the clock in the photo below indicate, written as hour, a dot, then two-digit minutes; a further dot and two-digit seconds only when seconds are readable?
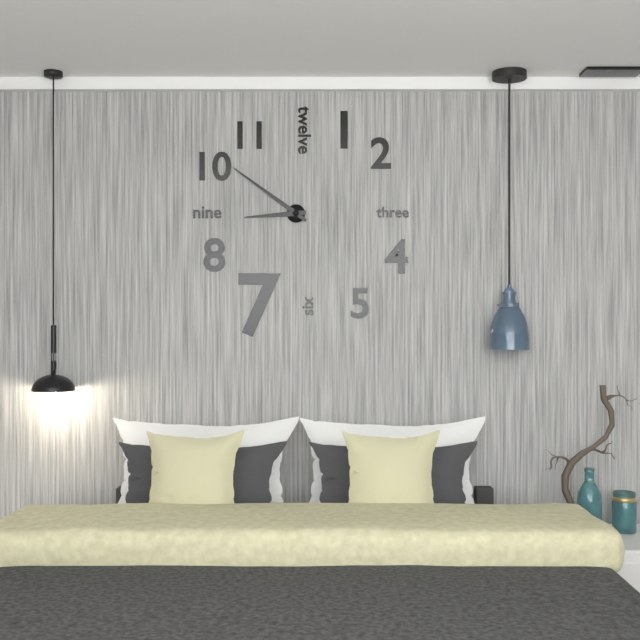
8.51
